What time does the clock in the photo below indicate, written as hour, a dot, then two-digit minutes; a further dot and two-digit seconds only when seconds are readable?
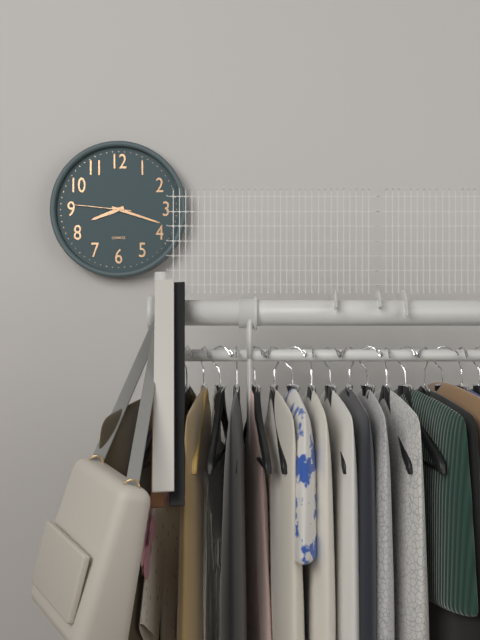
8.18.46
